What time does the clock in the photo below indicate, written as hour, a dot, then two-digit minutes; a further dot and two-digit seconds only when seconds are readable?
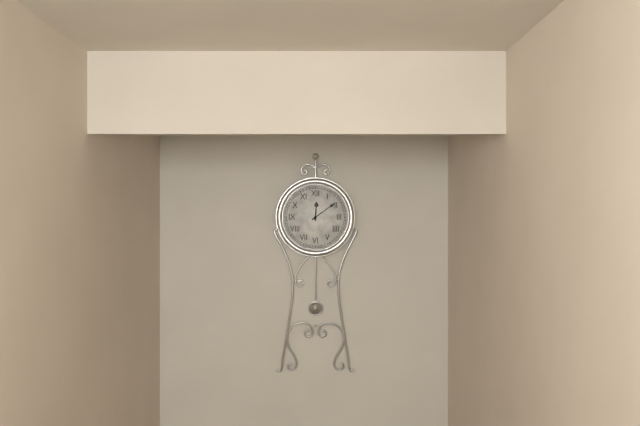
12.09
